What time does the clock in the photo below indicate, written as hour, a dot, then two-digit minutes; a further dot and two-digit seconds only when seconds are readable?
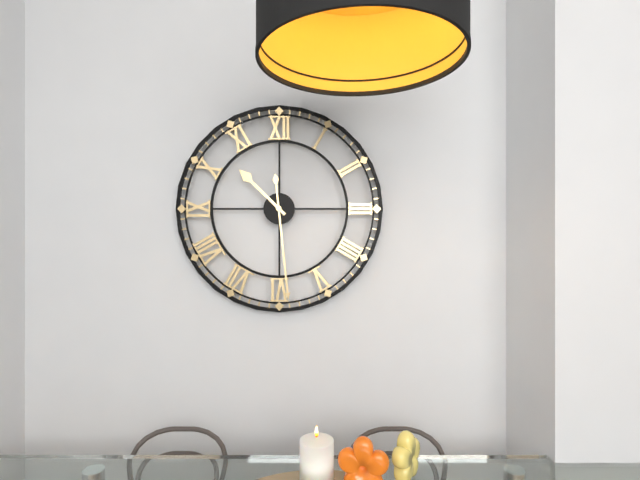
10.29
